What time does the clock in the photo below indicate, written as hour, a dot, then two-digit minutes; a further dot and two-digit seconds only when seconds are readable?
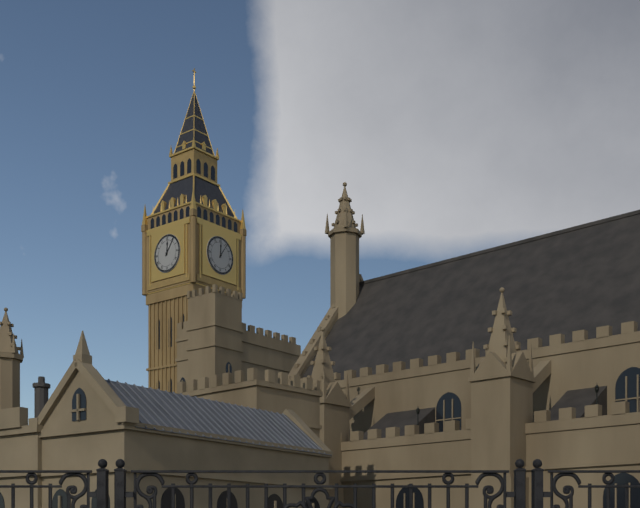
12.06
